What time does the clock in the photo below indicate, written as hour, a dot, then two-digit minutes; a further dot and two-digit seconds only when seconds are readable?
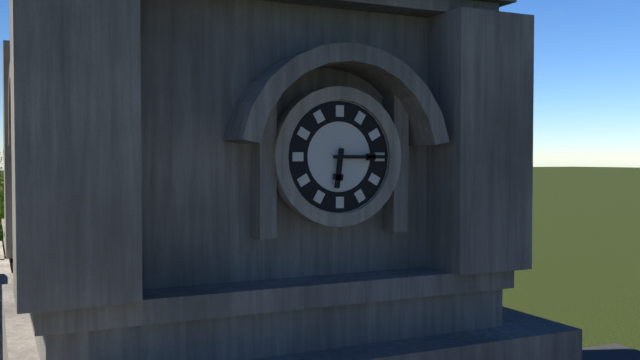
6.15
